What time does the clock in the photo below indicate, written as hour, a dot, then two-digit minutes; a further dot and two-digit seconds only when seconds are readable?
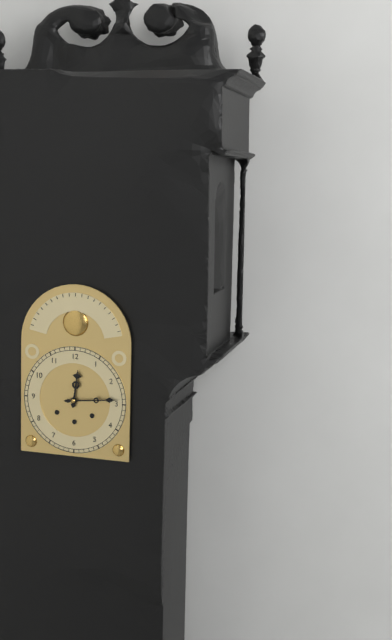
12.14
